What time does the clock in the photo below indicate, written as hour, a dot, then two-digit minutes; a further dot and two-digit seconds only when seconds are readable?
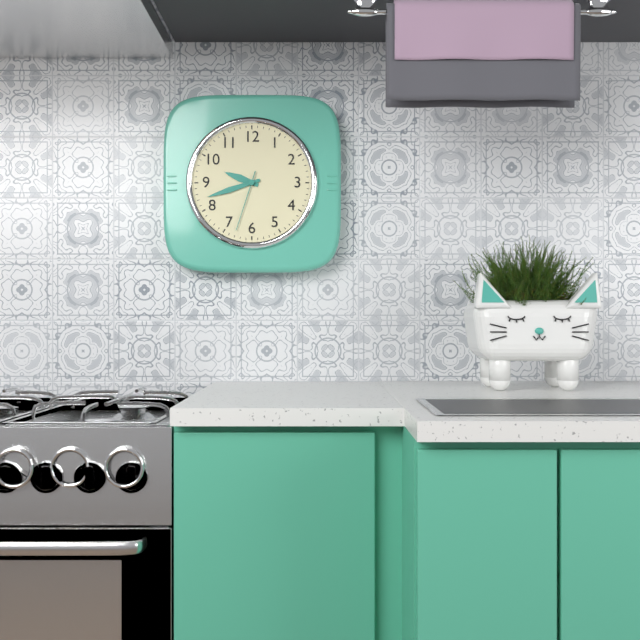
9.42.33
